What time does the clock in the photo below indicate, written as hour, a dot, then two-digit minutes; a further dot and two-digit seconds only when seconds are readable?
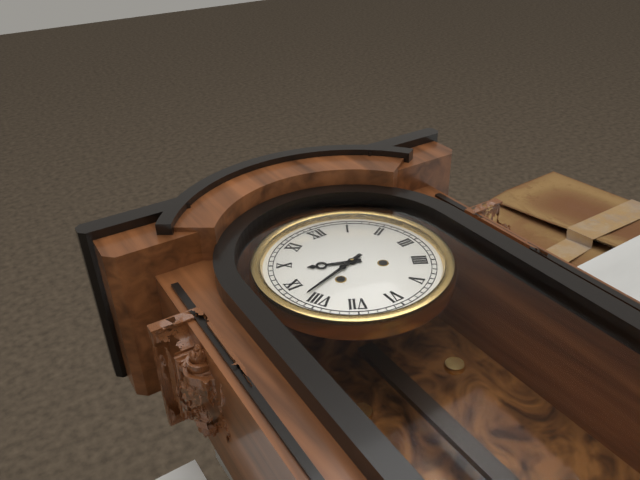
9.42
